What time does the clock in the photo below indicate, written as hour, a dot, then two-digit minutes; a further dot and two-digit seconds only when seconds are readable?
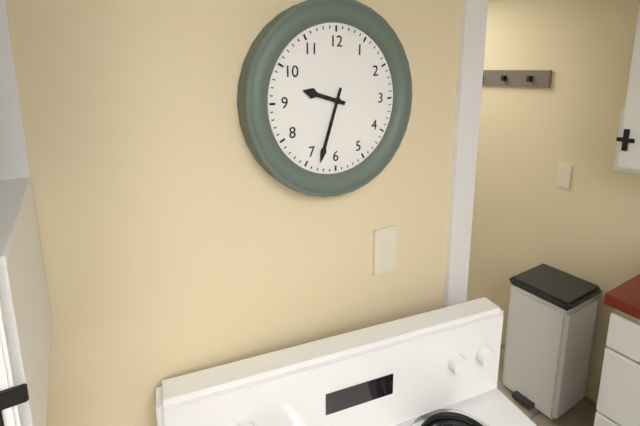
9.33
